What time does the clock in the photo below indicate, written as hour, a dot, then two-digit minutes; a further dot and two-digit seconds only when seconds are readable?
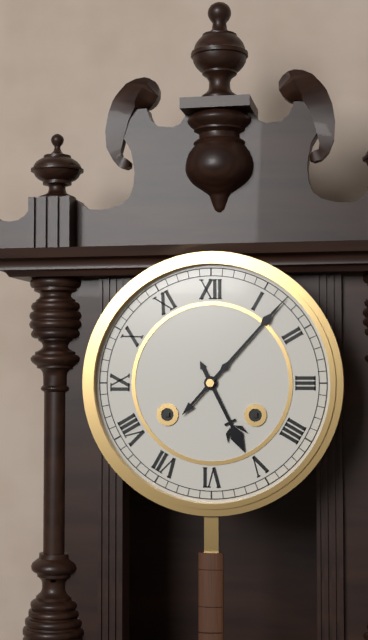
5.07
